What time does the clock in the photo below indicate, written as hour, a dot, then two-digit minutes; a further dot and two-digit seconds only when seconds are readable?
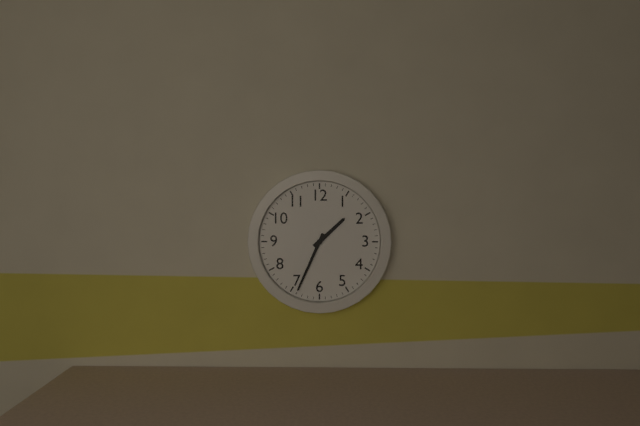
1.34
